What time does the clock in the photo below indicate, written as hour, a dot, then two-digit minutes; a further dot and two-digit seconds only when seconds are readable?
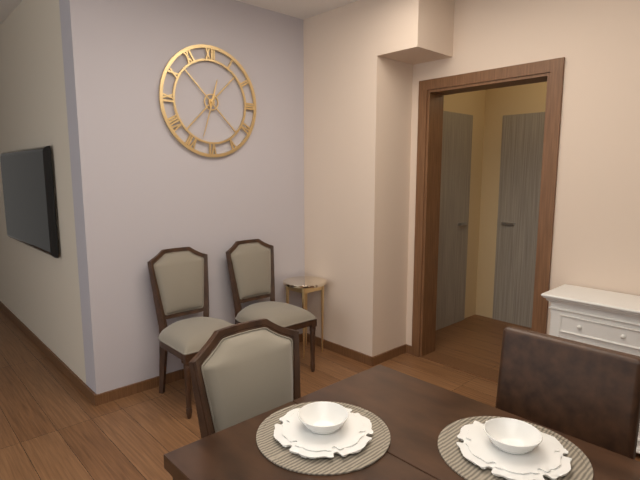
12.33
